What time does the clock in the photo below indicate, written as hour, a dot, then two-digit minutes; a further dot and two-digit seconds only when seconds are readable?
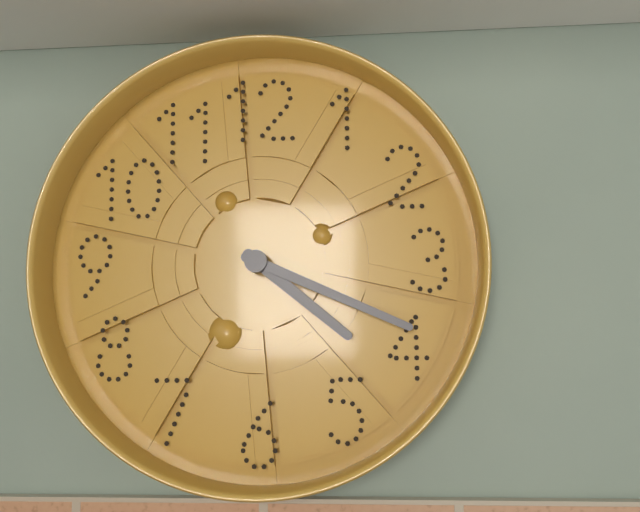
4.19
